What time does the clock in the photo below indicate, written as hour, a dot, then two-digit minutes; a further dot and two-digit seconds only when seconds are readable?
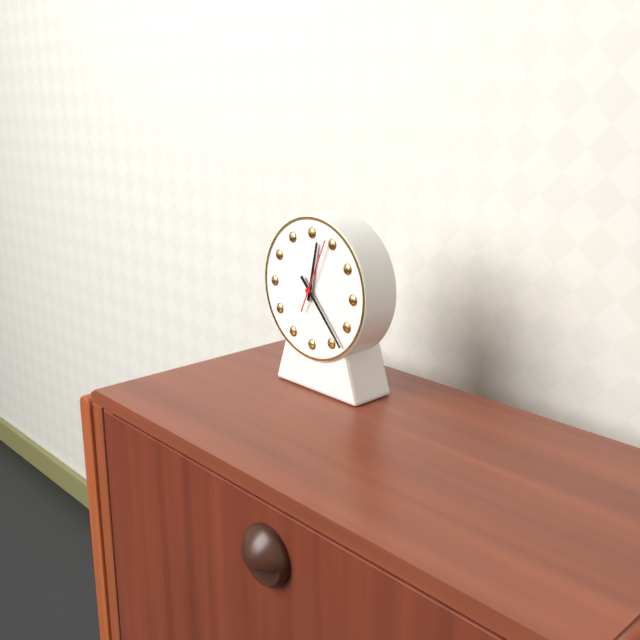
12.23.04
